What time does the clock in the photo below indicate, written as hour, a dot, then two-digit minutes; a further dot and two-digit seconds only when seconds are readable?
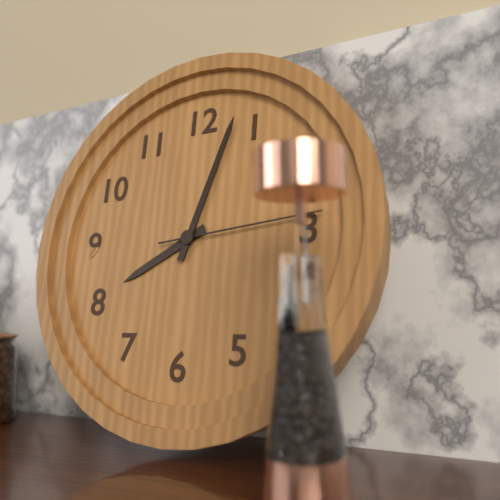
8.03.14
